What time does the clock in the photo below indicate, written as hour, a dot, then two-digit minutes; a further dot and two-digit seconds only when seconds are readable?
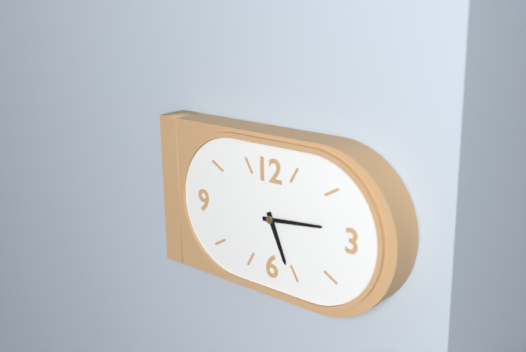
5.14
